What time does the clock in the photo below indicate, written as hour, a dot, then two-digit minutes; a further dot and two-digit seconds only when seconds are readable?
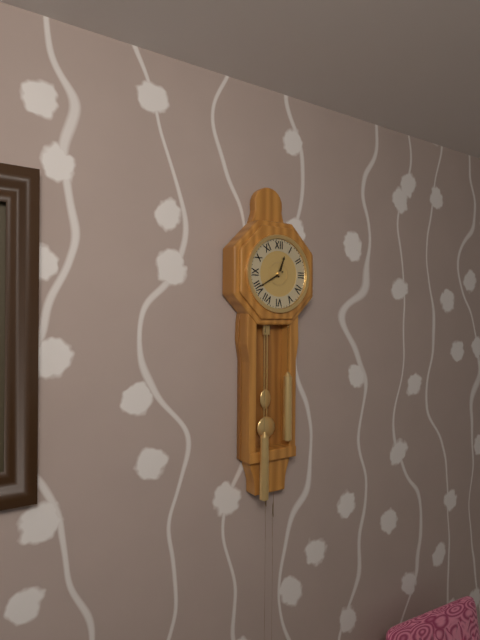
12.40
